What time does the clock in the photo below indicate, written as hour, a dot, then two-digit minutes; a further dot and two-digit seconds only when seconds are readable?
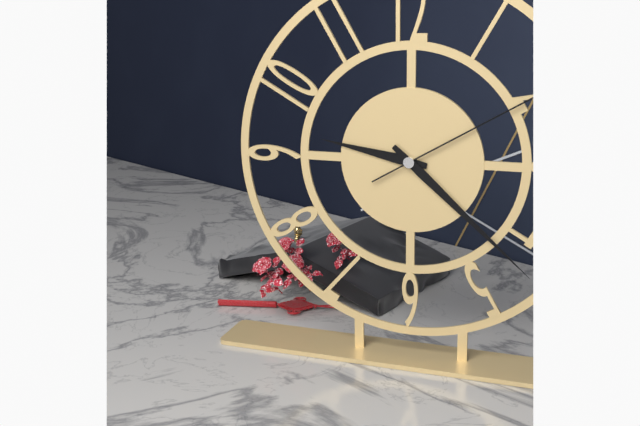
9.22.10
